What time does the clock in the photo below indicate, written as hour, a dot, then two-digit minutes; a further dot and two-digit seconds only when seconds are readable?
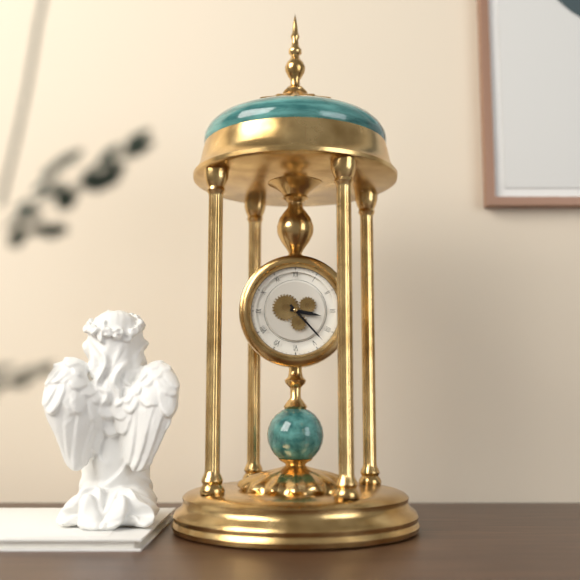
3.23
